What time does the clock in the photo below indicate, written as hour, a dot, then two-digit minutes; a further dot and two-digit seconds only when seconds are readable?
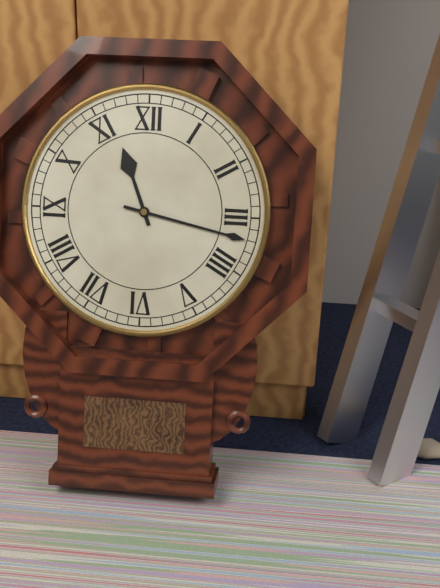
11.17
